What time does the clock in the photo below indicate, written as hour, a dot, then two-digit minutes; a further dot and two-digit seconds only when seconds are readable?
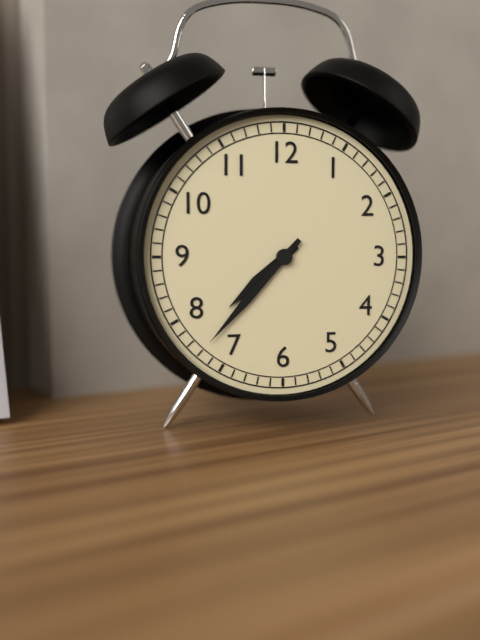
7.37
